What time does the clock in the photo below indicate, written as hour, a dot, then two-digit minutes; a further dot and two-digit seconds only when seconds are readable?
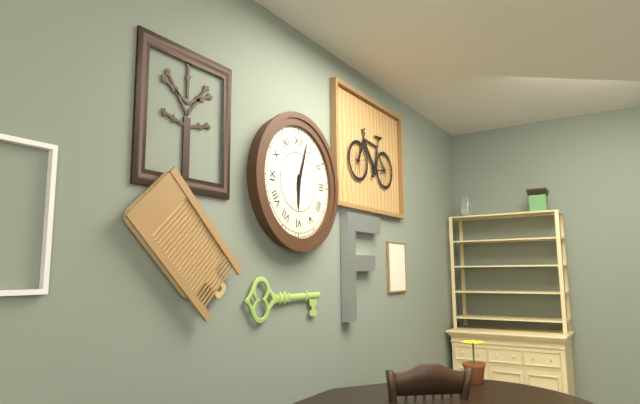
6.03
